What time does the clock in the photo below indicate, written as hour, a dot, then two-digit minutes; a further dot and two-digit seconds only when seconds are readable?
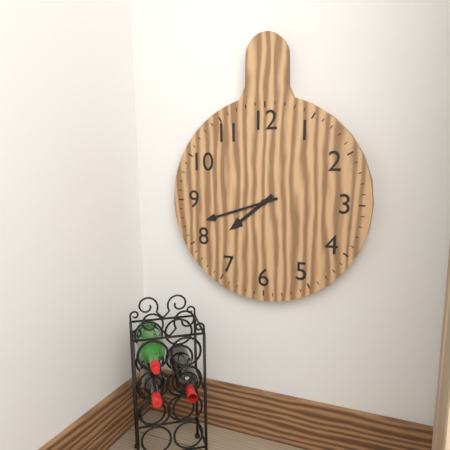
7.42
